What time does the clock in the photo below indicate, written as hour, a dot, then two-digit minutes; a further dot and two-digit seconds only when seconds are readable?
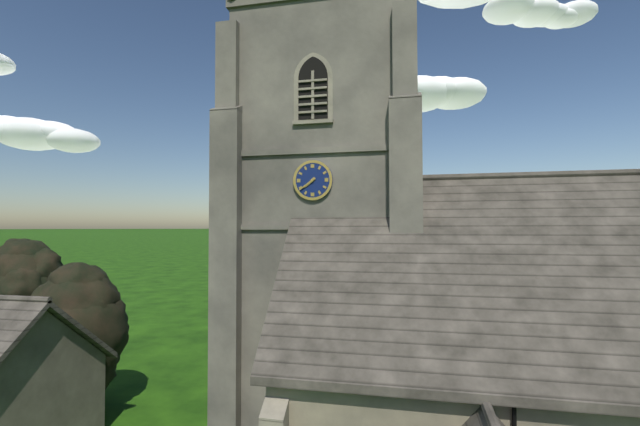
7.39
